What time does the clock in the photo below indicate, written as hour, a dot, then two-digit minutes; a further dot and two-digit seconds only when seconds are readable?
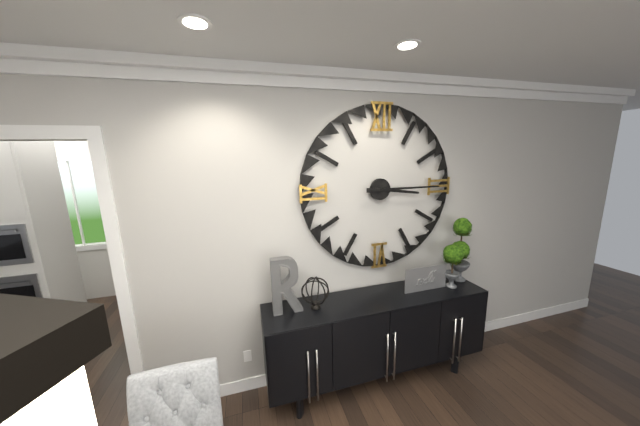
3.15
